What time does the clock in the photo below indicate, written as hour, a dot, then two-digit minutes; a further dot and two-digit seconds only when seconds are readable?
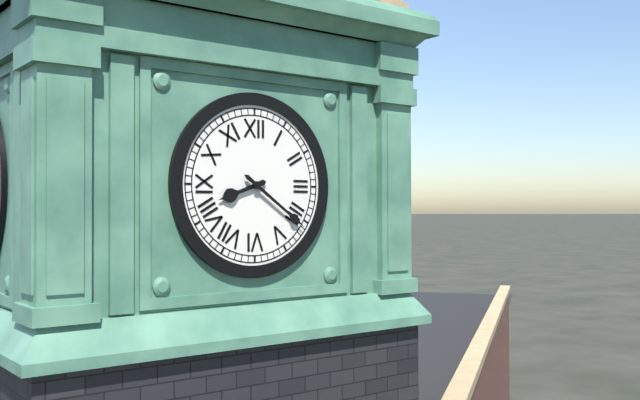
8.21
